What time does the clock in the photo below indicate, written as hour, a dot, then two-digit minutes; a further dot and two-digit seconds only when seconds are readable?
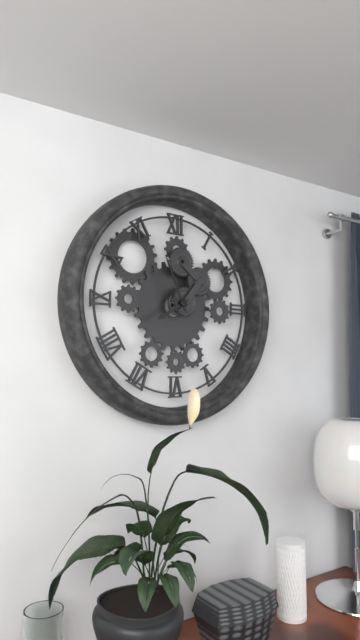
7.56
